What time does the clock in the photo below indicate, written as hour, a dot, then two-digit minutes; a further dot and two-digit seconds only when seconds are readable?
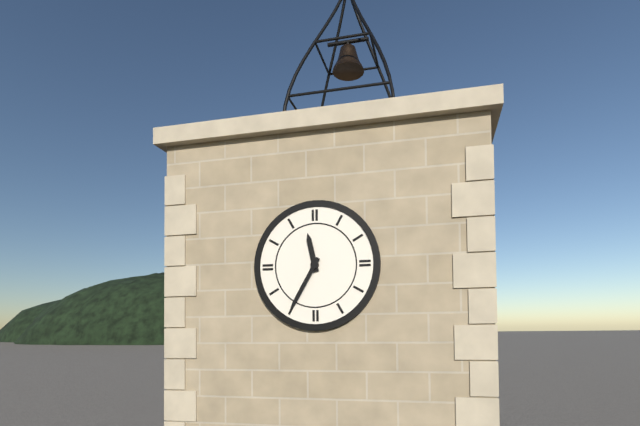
11.35
